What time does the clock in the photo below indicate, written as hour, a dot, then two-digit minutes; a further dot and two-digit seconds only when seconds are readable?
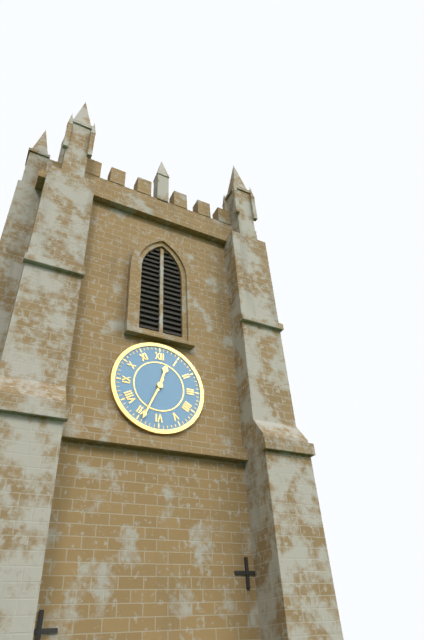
12.34
